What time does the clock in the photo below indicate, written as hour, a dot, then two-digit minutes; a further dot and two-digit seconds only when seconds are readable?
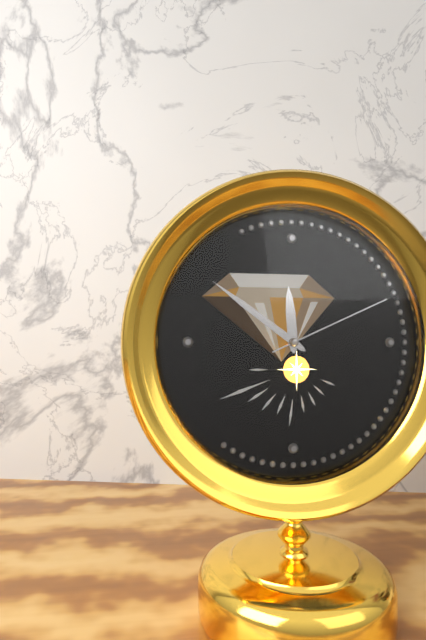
11.51.11
